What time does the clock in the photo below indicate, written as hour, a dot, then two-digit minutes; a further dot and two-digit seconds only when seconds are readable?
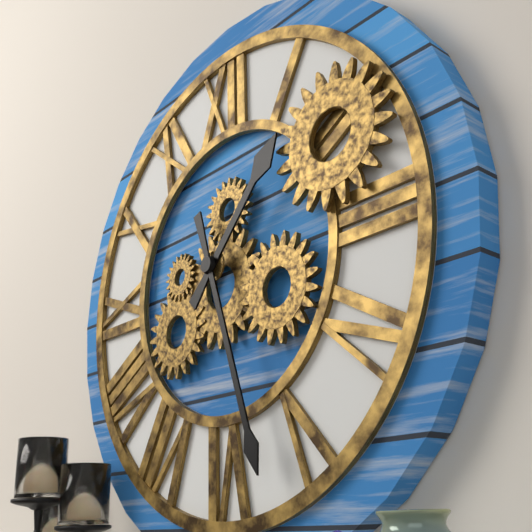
1.27
